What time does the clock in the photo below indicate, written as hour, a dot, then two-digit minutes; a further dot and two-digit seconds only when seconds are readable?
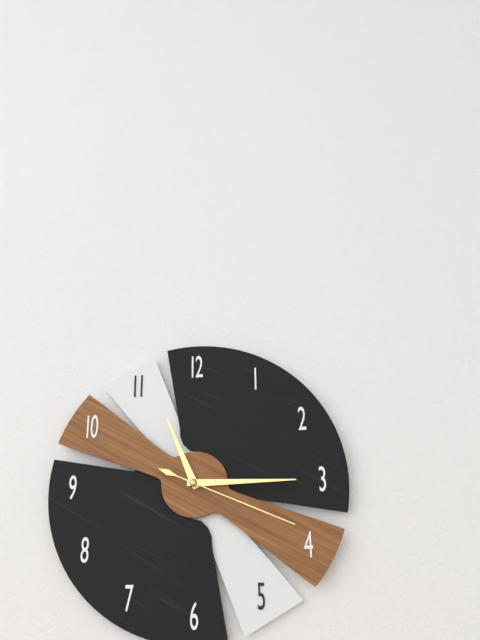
11.15.19
